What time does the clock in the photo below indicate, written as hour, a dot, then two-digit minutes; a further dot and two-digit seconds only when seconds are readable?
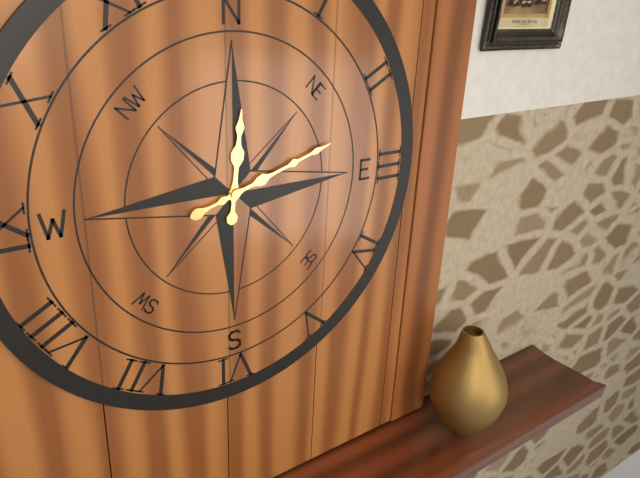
12.12
